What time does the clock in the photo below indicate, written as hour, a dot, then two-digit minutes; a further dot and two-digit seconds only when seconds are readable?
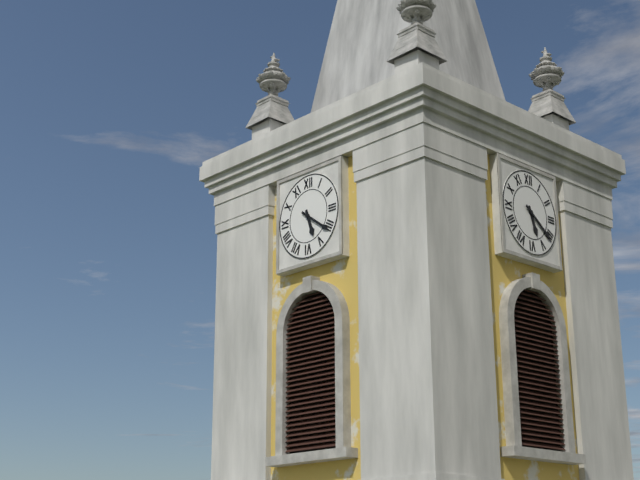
5.21
